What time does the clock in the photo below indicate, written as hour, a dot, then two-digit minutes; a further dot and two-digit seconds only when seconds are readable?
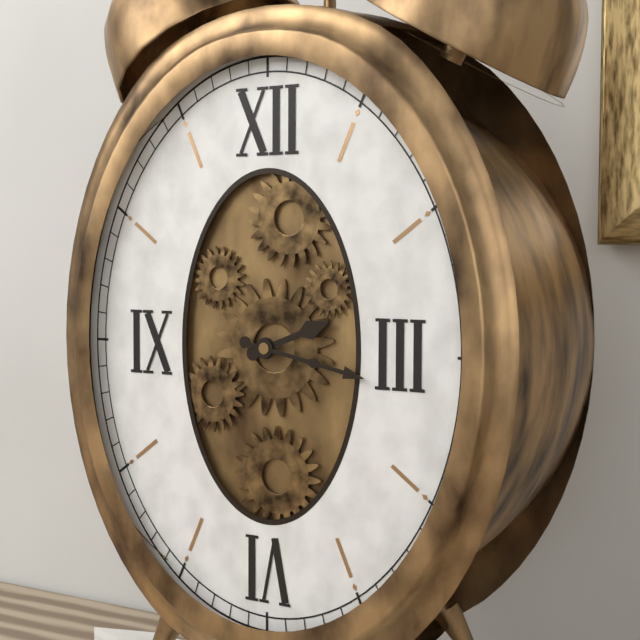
2.17
